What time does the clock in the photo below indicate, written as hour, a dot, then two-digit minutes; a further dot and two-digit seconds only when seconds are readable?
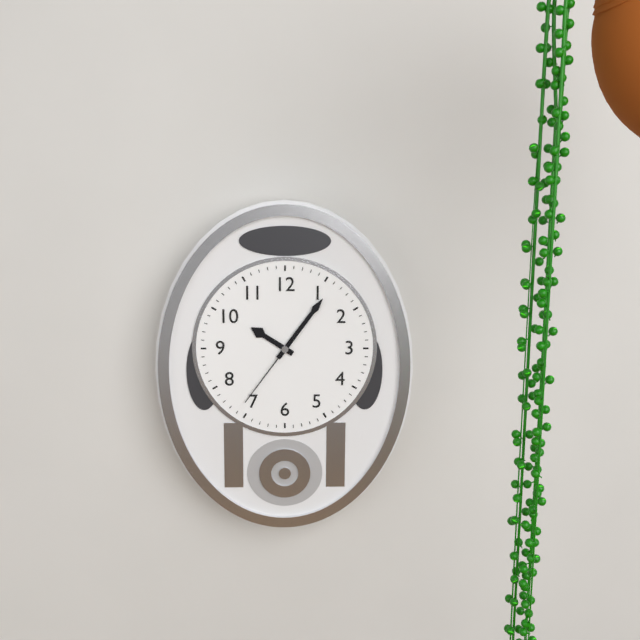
10.06.36
